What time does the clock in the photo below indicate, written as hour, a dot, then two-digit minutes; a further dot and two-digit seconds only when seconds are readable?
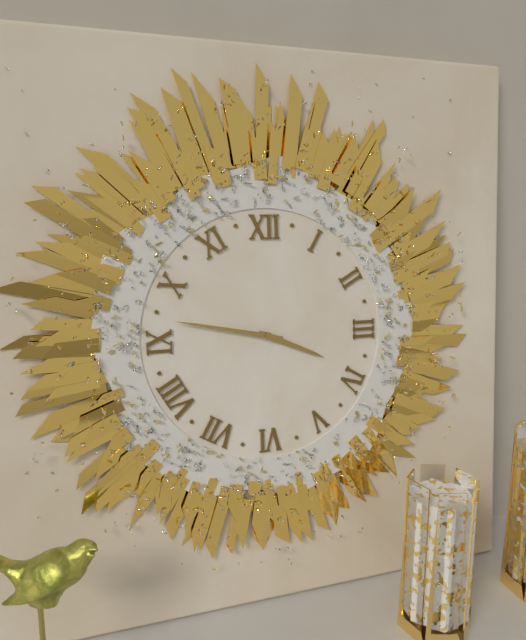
3.47
